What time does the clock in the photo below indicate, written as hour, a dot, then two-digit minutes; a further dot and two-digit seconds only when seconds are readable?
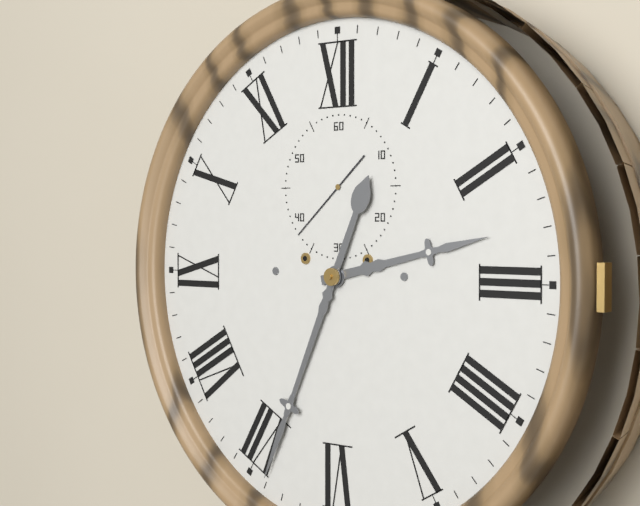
2.34.38
